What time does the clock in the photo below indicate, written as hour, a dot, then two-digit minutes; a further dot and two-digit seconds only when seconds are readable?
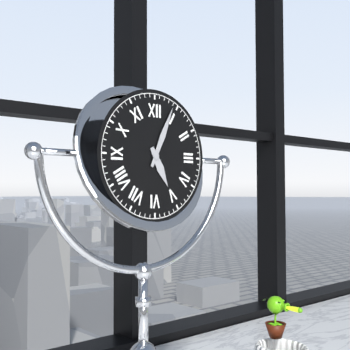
5.04
